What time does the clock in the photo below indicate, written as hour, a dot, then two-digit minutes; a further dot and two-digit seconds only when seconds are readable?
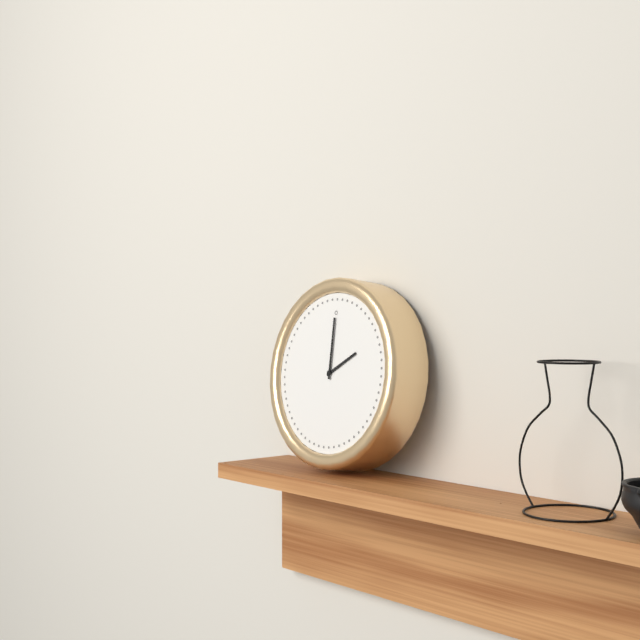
2.00
